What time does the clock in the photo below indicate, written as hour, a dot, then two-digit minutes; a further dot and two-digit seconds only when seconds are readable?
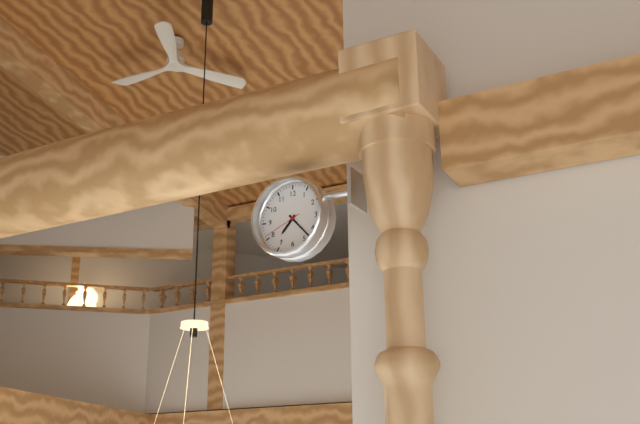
7.23
